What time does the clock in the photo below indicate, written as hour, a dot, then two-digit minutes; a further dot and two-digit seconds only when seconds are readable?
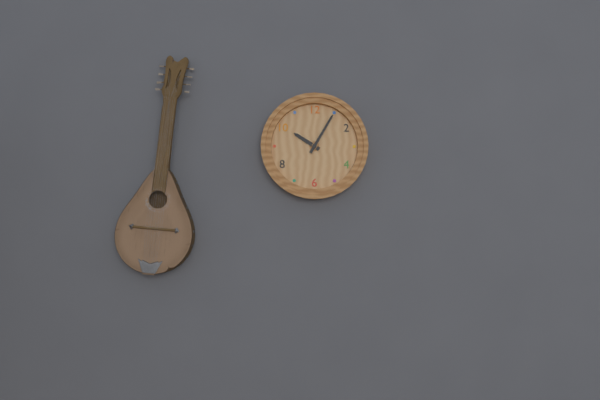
10.05
